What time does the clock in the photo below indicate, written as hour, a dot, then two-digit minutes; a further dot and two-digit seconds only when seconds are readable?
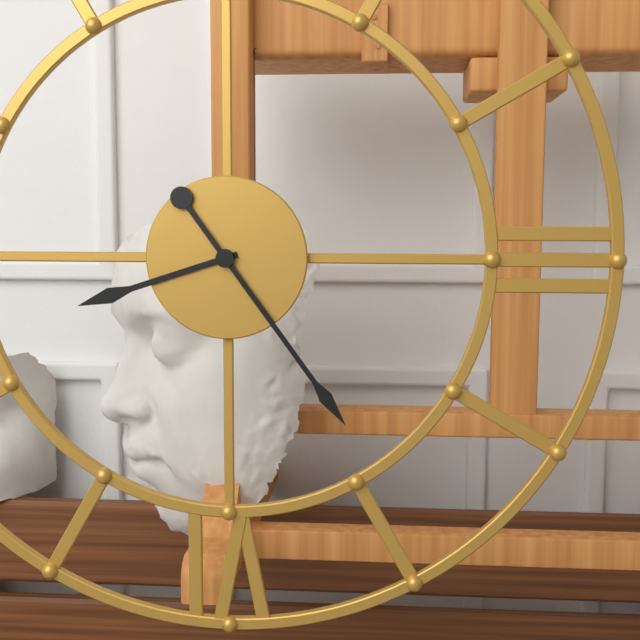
8.24
